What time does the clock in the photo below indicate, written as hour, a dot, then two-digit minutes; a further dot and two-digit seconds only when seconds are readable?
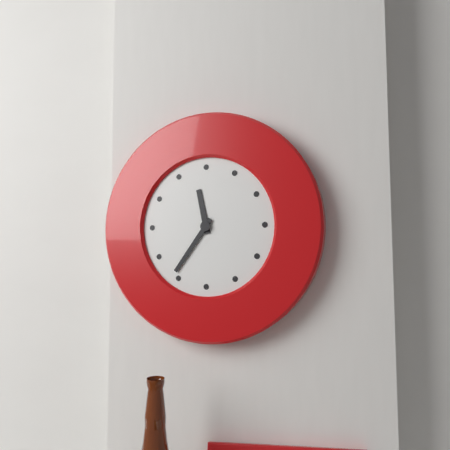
11.36
